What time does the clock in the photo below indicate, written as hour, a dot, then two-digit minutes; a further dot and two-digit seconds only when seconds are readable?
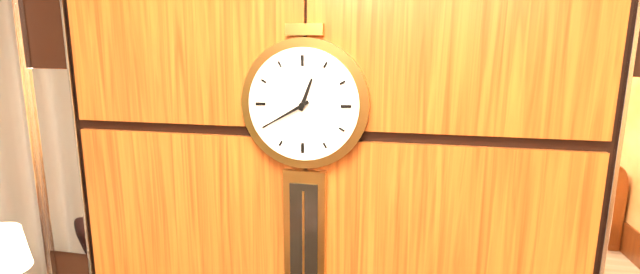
12.40
